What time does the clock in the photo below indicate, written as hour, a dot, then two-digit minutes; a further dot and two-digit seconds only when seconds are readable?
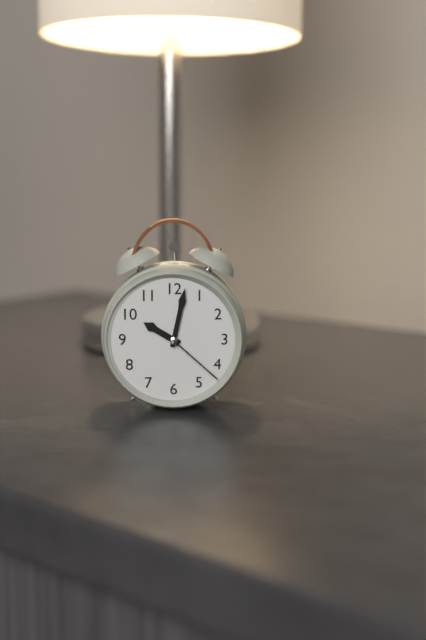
10.02.22
